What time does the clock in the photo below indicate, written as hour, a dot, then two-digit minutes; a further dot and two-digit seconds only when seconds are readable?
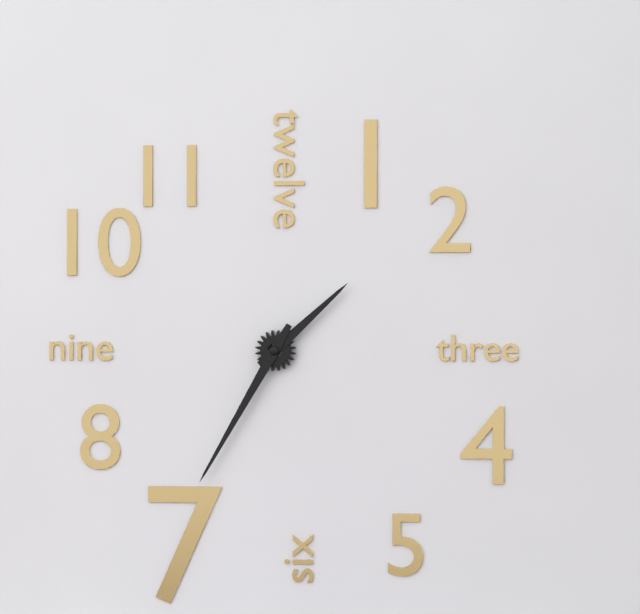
1.35
